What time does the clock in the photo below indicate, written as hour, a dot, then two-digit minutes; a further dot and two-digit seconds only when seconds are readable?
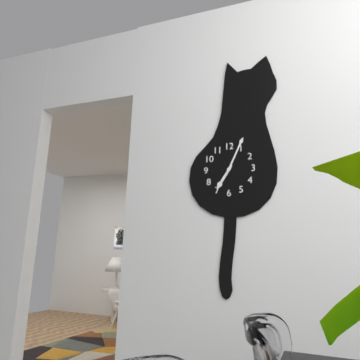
7.04
